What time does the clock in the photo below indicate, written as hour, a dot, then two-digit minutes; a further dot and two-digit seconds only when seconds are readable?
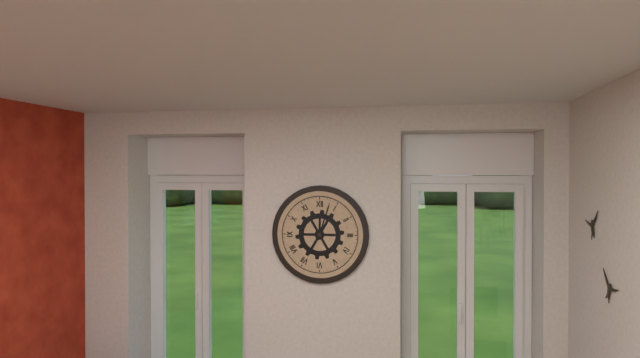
12.03
